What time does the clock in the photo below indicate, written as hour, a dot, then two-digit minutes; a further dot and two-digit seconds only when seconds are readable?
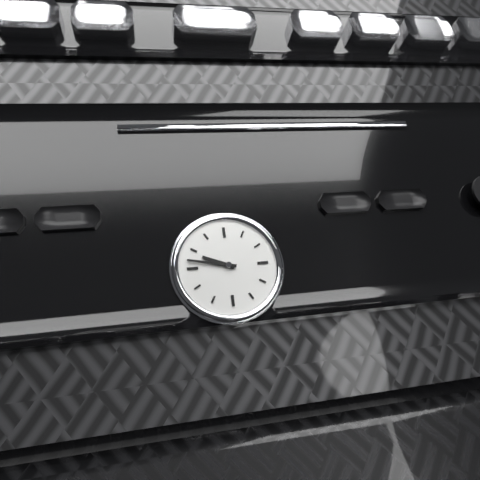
9.47
